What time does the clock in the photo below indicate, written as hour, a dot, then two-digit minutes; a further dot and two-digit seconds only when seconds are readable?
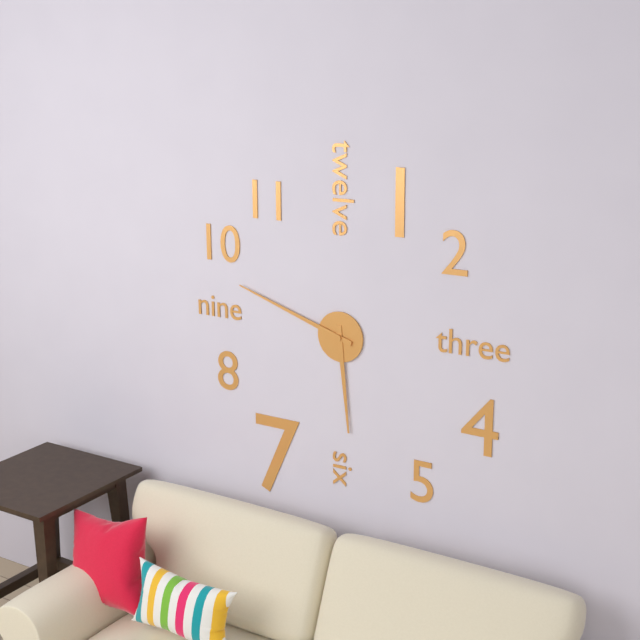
5.48
